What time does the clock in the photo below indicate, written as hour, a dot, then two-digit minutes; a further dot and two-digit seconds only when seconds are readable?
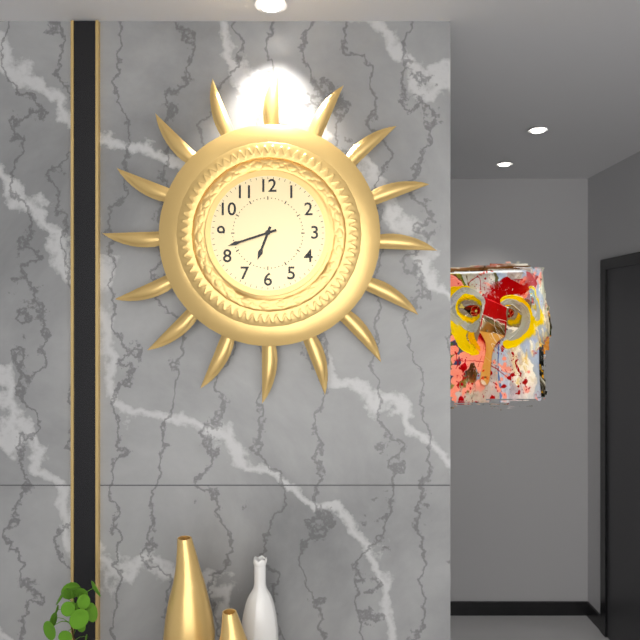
6.42
